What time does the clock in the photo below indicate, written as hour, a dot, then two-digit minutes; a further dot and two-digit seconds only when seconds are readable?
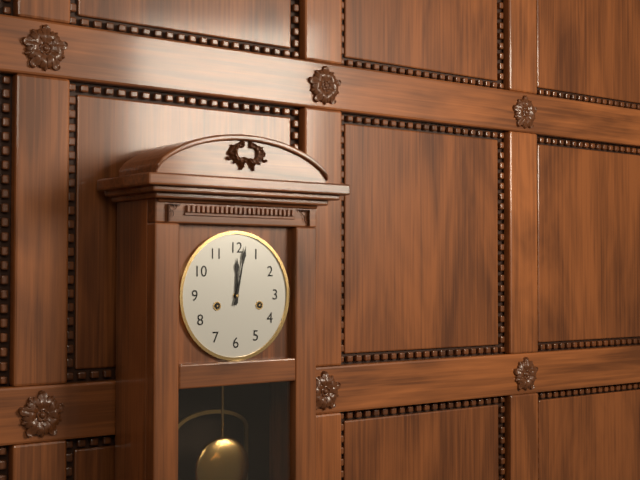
12.02
